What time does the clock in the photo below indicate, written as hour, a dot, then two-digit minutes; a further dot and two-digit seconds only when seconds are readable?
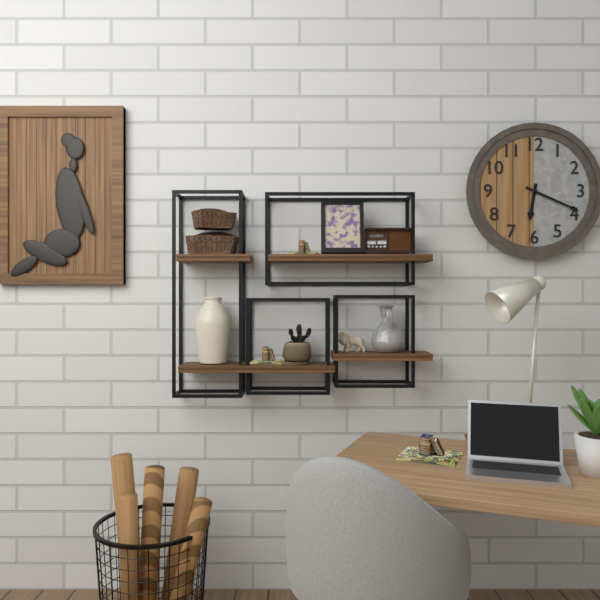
6.19
